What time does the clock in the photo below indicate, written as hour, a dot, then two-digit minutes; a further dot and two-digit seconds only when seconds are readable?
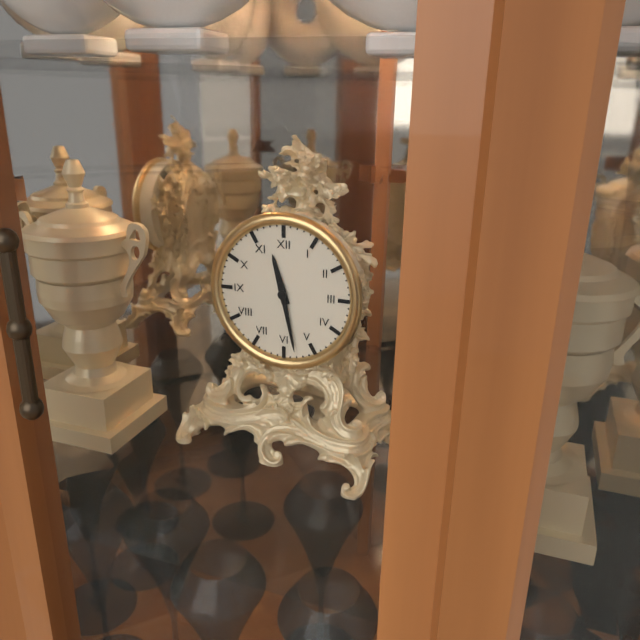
11.28
